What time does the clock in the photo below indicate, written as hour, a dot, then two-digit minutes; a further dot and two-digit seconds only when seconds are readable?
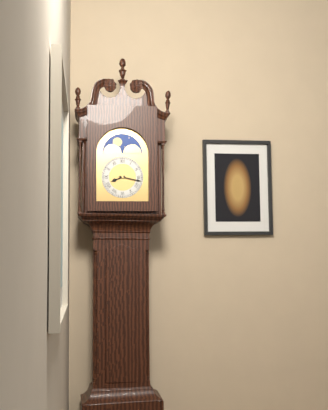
8.17
